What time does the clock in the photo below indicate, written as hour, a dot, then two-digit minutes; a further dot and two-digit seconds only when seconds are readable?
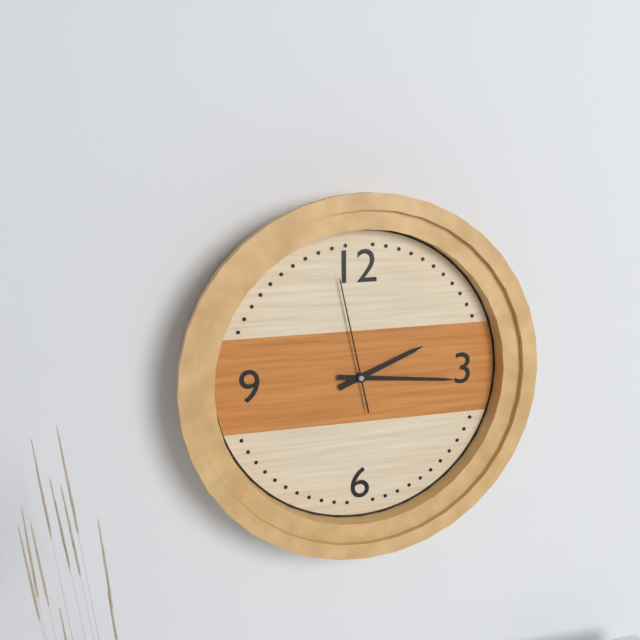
2.16.58
